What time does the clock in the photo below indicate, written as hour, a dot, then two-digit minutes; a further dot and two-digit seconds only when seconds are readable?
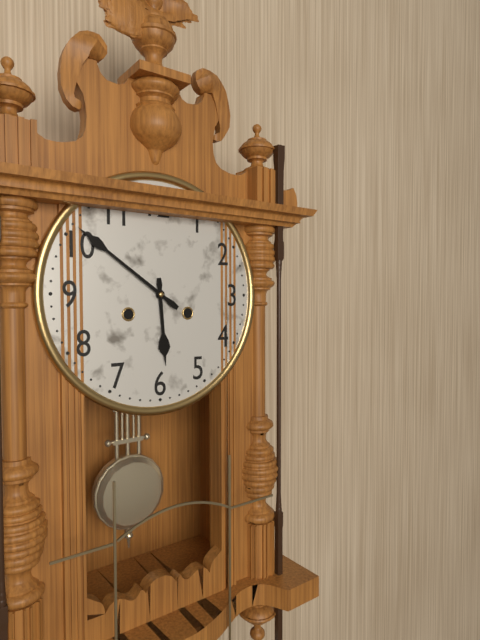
5.51
